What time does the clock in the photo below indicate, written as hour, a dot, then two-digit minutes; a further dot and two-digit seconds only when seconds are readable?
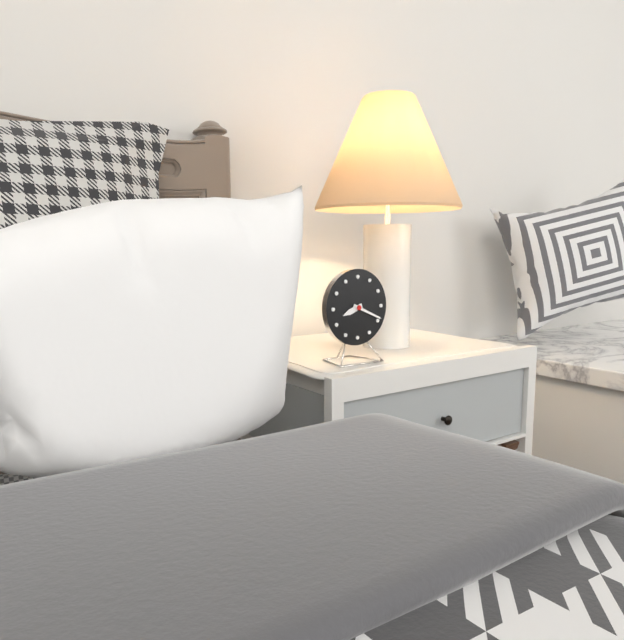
8.19
